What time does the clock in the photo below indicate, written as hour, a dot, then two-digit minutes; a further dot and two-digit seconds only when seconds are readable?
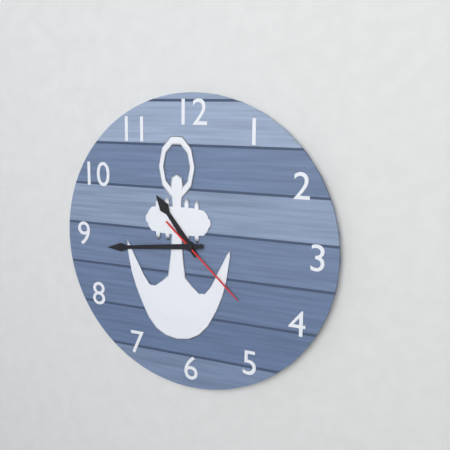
10.44.22
